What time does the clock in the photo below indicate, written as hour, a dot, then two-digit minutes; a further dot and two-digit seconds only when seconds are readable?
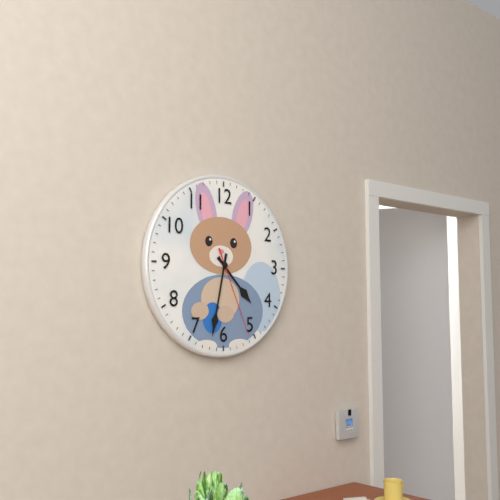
4.32.26
